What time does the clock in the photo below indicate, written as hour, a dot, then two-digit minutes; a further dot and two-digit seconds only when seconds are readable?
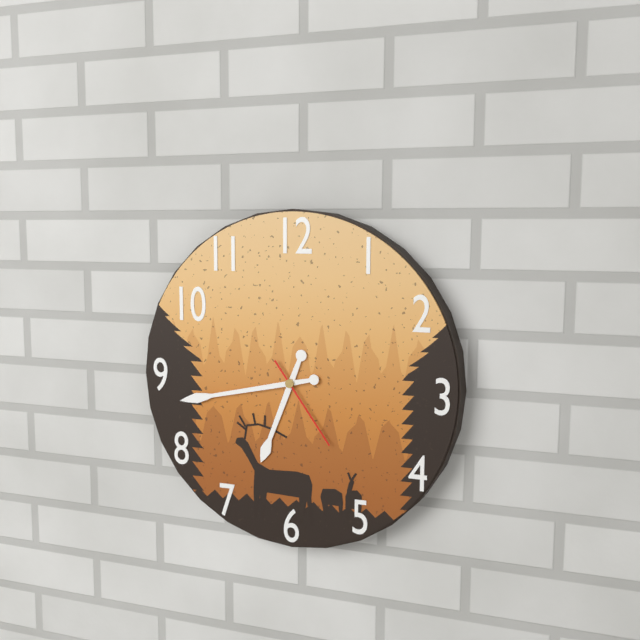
6.43.24
